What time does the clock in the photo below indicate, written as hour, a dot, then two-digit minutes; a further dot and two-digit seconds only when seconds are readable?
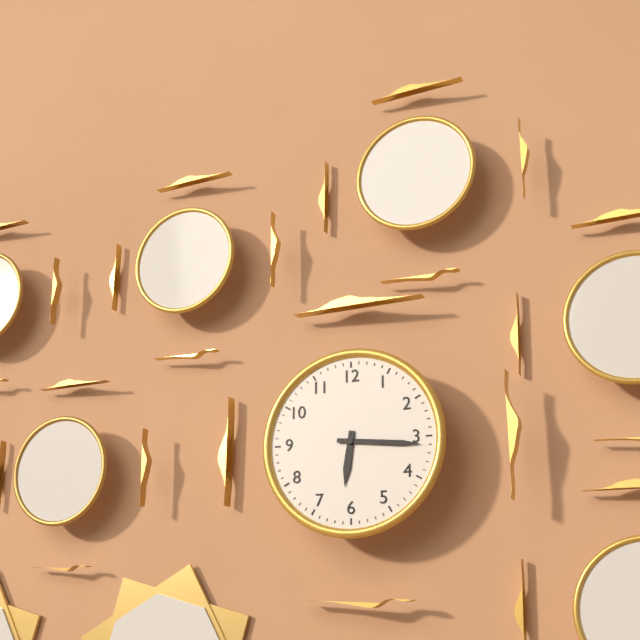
6.16
